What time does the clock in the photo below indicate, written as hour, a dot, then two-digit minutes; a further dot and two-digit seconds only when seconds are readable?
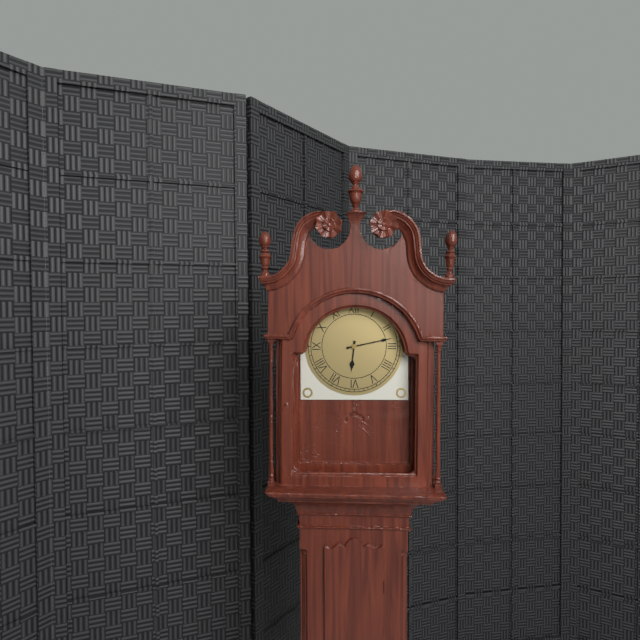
6.13
